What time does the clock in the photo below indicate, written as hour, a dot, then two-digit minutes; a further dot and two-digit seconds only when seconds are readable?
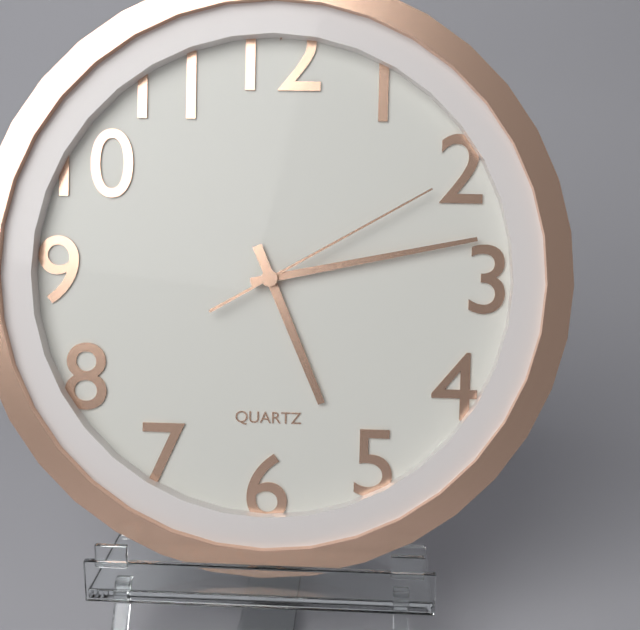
5.13.10
